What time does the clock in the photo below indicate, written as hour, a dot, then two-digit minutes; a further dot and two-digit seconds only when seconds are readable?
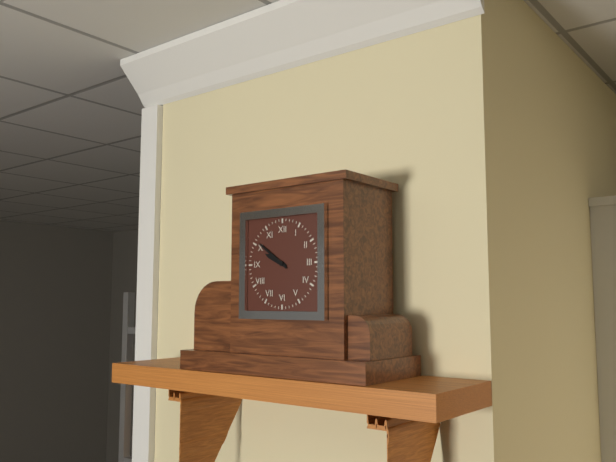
9.51
